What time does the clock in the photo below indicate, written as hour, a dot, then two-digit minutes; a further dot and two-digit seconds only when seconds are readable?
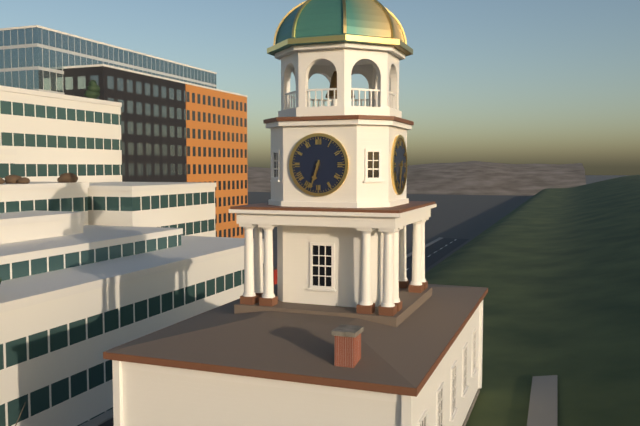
6.33
